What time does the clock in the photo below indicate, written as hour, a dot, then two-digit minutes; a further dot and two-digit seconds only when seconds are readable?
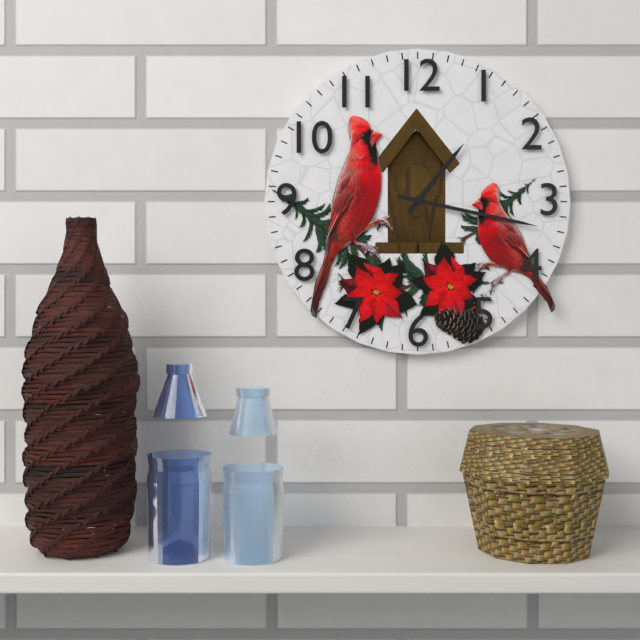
1.17
